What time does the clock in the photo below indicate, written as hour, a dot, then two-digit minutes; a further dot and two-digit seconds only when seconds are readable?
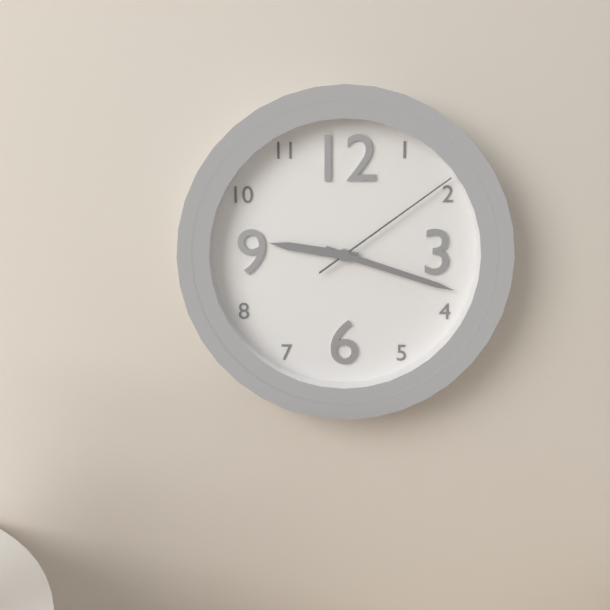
9.18.09
